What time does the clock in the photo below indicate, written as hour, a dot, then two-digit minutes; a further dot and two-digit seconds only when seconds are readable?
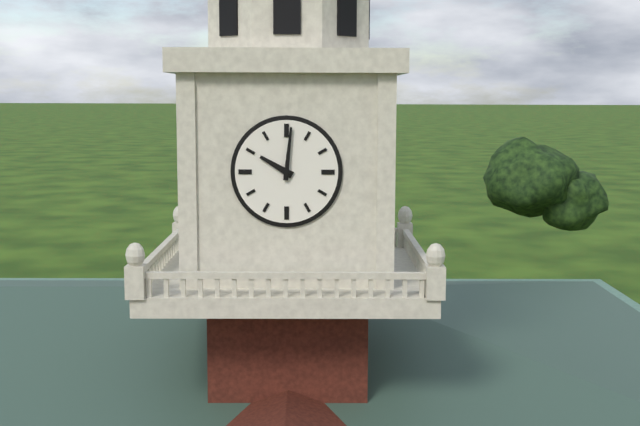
10.01
